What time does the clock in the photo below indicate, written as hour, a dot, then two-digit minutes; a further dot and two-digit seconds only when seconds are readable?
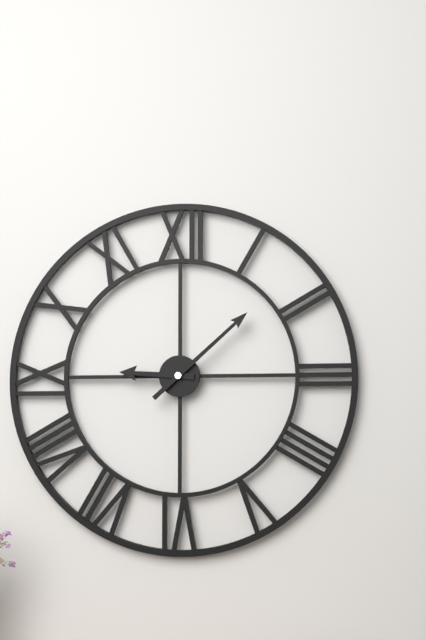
9.08
